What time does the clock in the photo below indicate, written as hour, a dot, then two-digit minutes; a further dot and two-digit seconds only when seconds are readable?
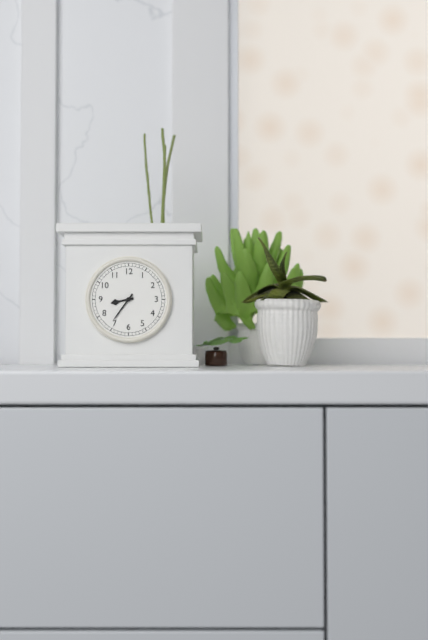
8.36
